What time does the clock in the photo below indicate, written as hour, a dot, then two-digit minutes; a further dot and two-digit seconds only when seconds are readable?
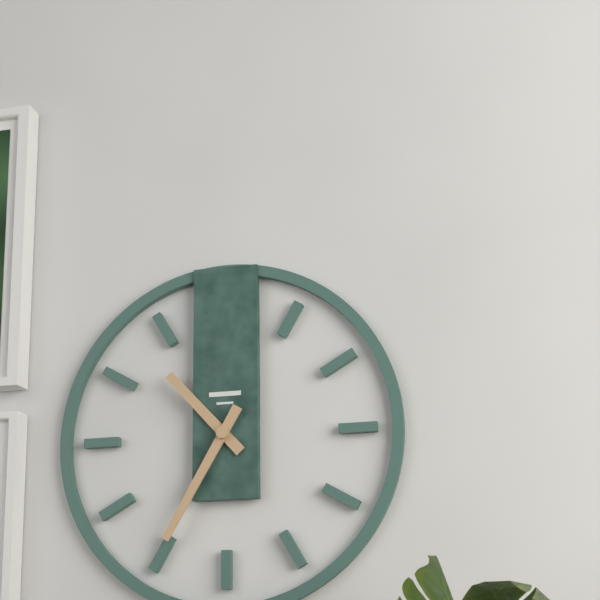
10.35
